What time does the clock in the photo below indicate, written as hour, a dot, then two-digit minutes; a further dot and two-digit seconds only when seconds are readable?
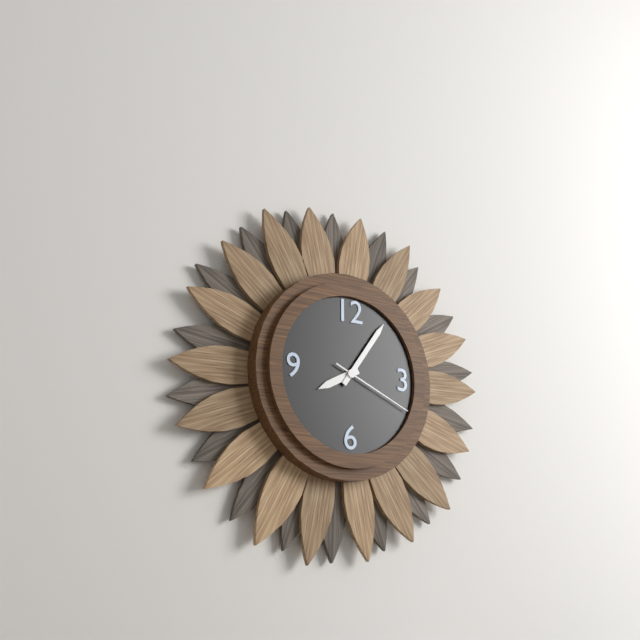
8.06.19
